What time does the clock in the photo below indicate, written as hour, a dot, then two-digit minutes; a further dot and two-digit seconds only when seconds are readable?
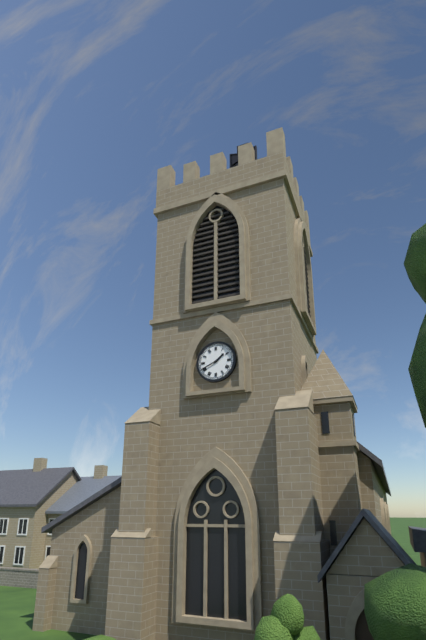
1.41
